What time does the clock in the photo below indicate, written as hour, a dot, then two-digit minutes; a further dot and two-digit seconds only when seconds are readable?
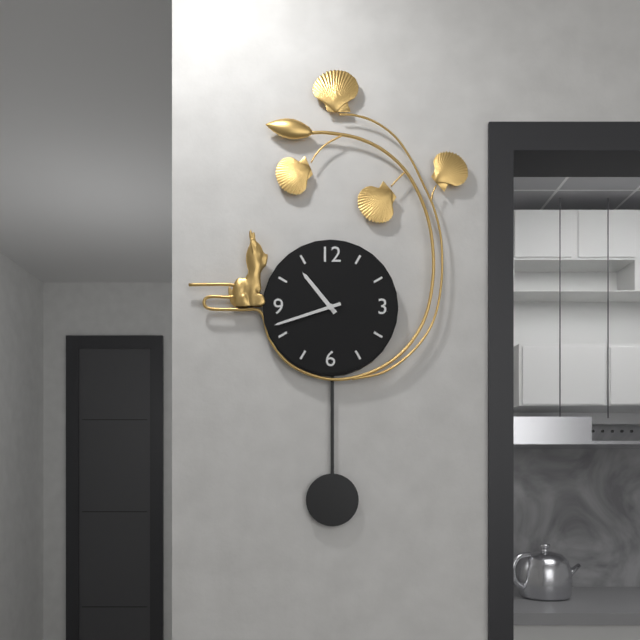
10.42
